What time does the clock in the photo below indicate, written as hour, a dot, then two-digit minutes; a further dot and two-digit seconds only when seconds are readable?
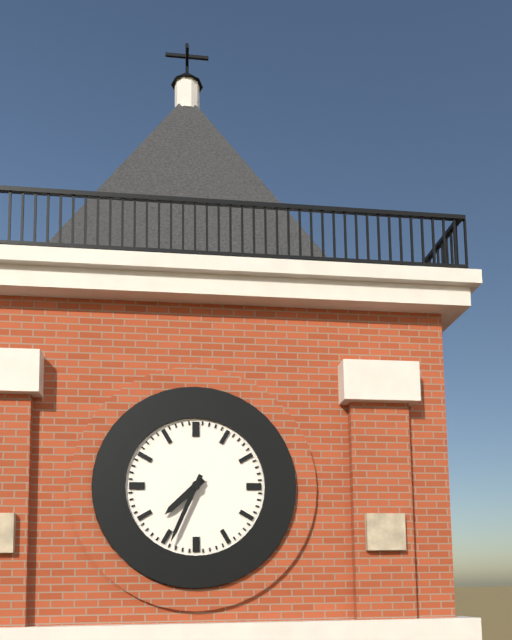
7.34
